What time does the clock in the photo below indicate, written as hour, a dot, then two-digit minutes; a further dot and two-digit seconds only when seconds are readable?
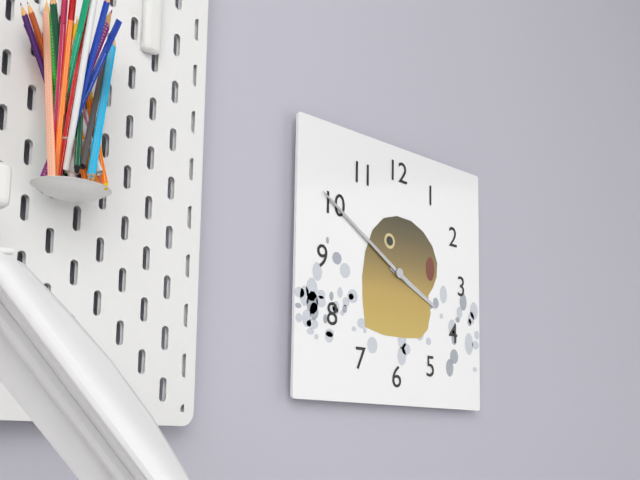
3.50
